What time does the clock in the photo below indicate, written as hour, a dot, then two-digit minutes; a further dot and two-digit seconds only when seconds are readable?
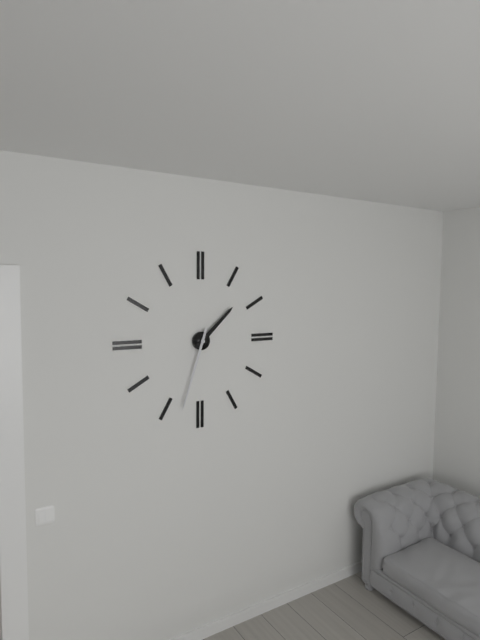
1.33
